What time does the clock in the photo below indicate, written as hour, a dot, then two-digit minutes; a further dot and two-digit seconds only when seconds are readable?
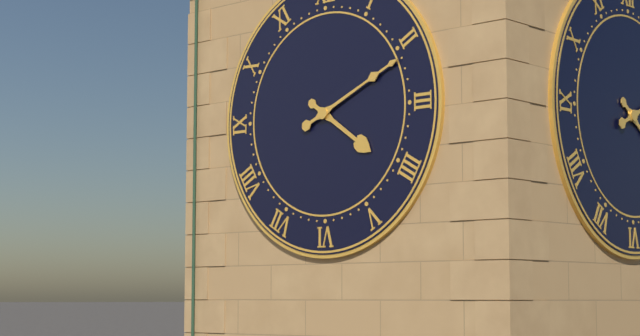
4.11
